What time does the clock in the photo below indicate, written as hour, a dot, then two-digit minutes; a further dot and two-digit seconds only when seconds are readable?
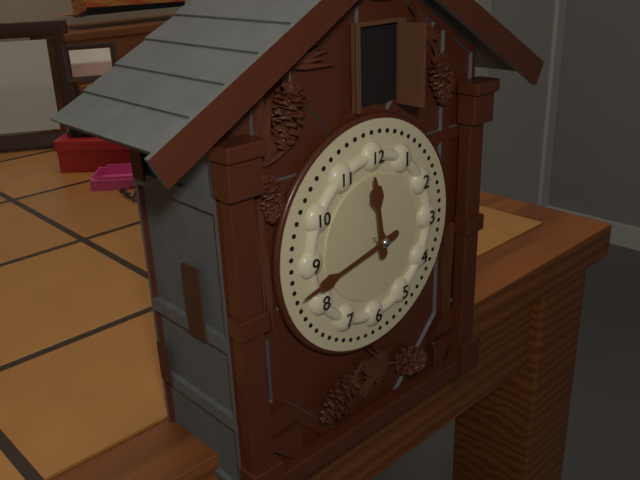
11.43
